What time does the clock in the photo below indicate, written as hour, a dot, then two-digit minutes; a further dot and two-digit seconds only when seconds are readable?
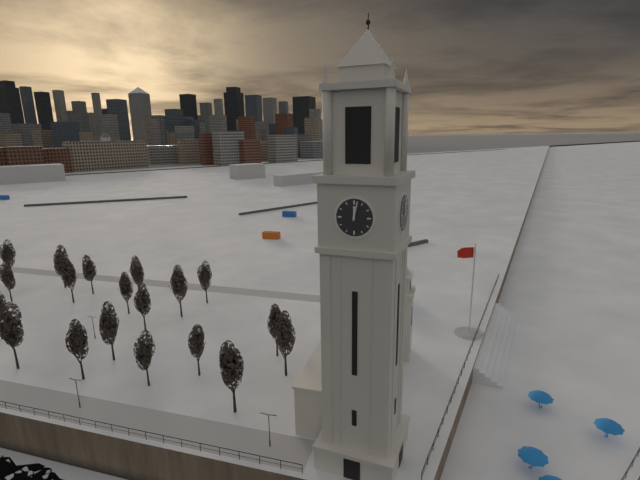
12.02
